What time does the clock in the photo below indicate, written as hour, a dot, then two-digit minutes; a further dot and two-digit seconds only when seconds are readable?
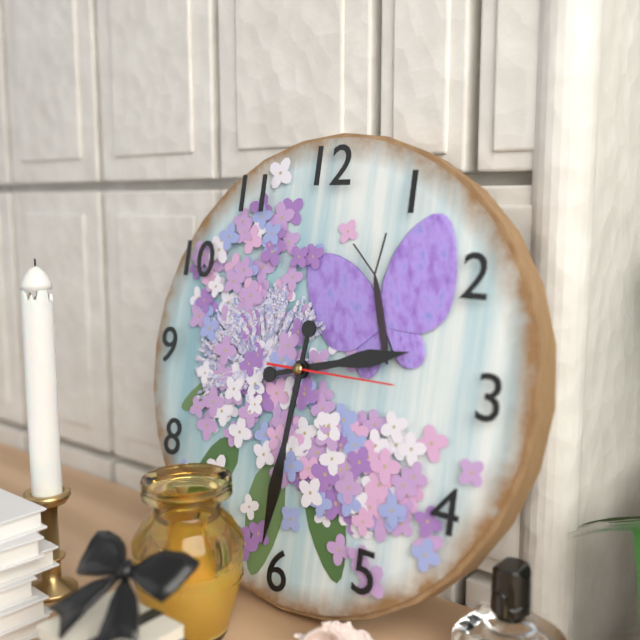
2.31.15
